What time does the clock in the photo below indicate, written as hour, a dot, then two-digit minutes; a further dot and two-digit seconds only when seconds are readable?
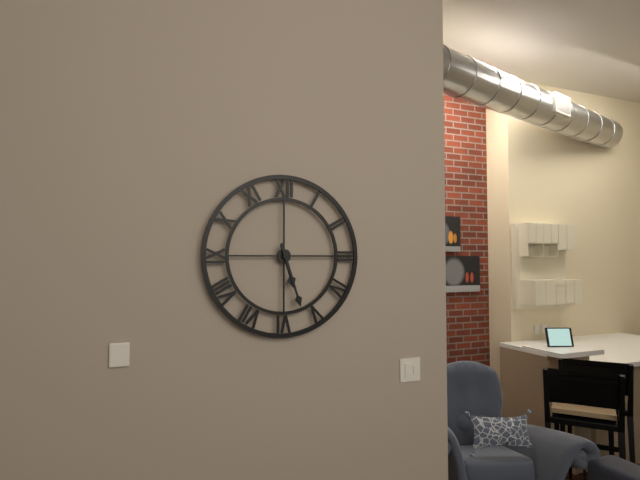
5.27
